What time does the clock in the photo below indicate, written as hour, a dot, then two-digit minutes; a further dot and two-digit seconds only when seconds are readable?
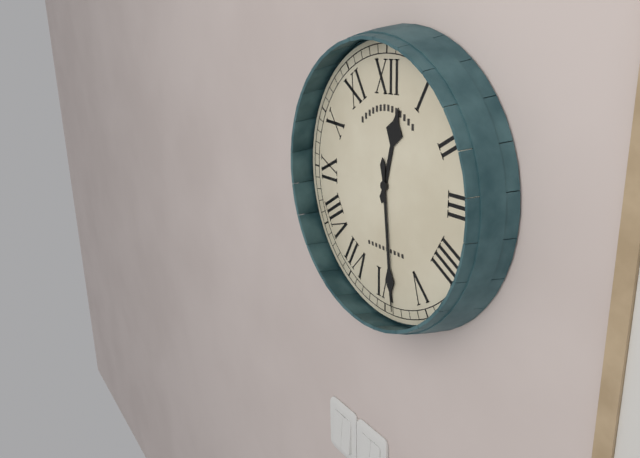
12.29
